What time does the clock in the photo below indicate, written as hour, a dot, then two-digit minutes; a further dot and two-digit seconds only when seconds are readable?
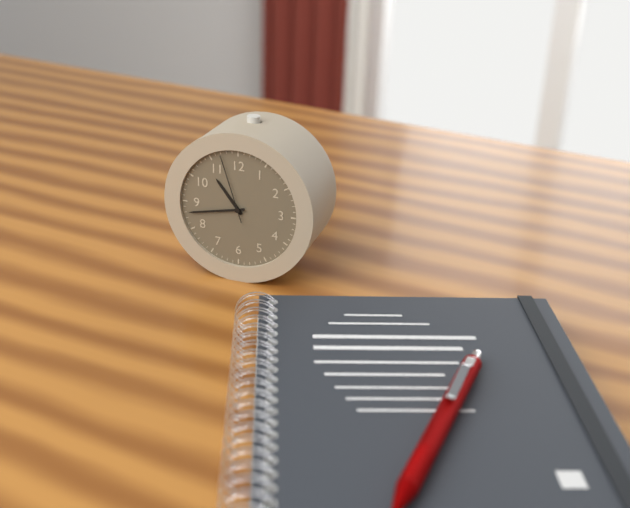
10.43.57
